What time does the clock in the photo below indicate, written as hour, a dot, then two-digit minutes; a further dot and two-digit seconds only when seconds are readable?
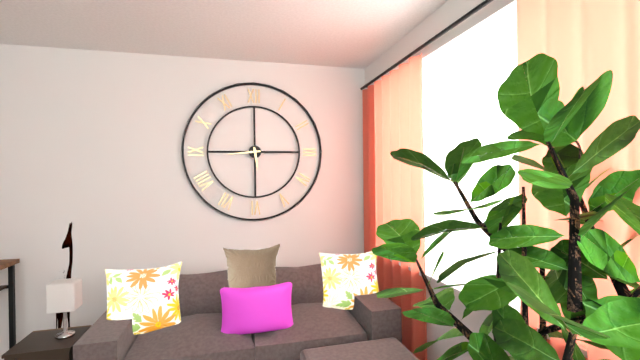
5.44
